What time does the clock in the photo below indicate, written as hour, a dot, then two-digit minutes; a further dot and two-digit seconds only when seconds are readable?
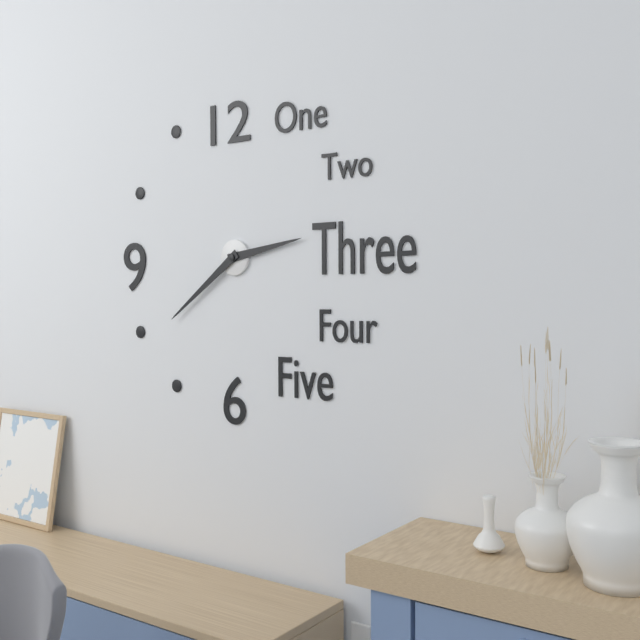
2.39
